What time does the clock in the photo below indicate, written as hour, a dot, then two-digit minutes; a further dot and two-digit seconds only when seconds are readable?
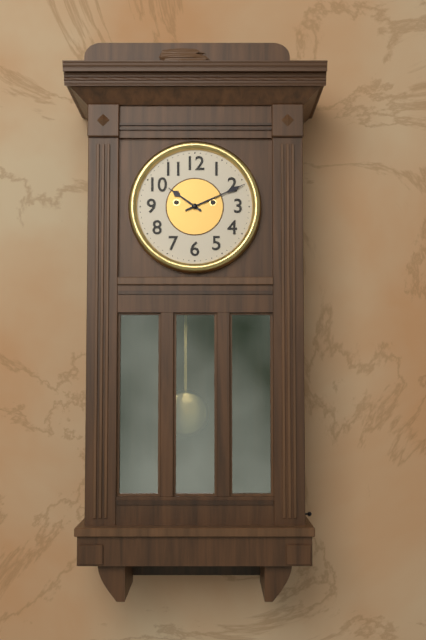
10.11
